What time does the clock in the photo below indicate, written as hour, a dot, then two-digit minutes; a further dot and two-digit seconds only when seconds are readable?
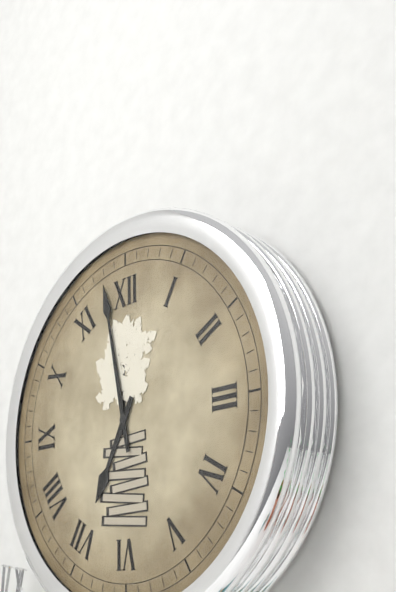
6.58
